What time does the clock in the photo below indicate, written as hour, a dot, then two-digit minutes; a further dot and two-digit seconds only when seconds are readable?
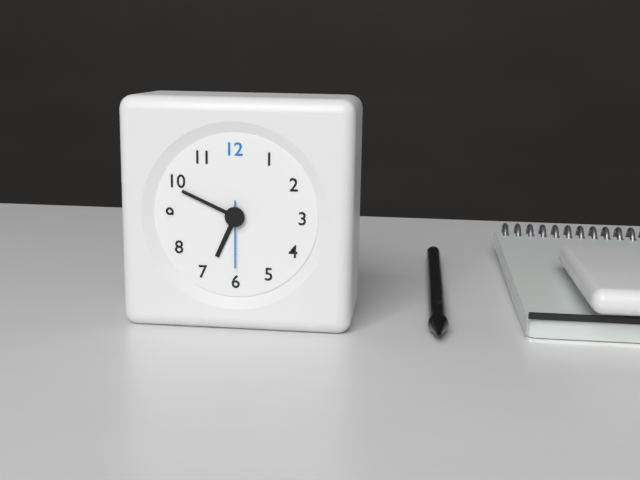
6.49.30
